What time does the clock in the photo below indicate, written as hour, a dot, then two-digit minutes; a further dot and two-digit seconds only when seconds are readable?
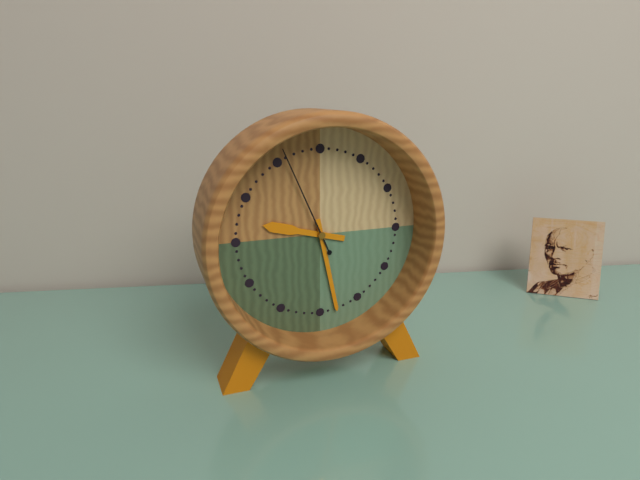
9.28.56
